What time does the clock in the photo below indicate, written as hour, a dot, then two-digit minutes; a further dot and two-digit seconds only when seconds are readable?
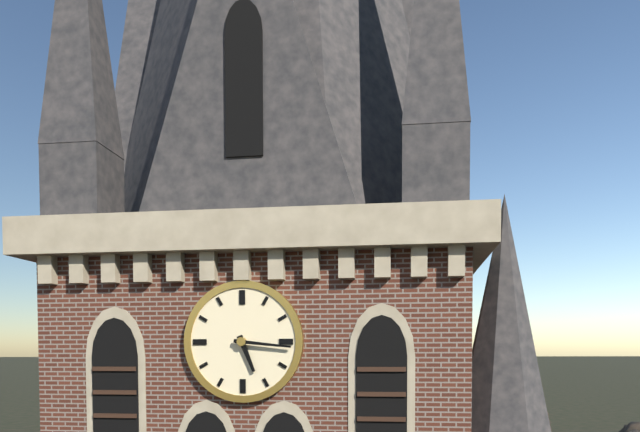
5.16
